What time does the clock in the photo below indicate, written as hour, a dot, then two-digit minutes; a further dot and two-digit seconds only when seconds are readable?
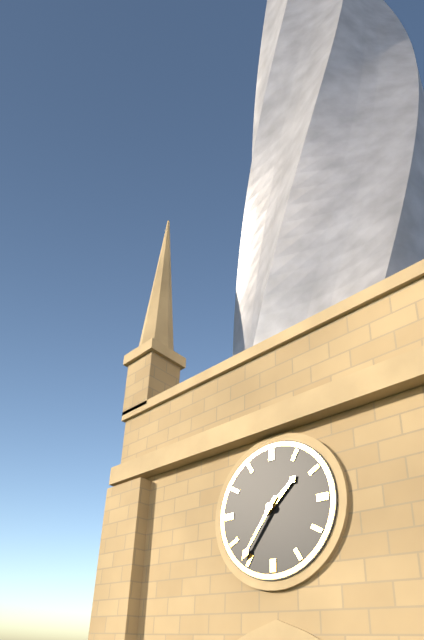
1.36
